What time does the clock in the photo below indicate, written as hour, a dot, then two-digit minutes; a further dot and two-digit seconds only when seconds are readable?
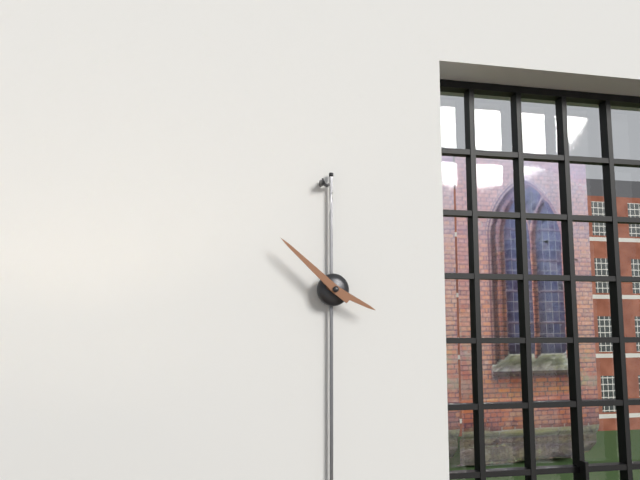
3.52
